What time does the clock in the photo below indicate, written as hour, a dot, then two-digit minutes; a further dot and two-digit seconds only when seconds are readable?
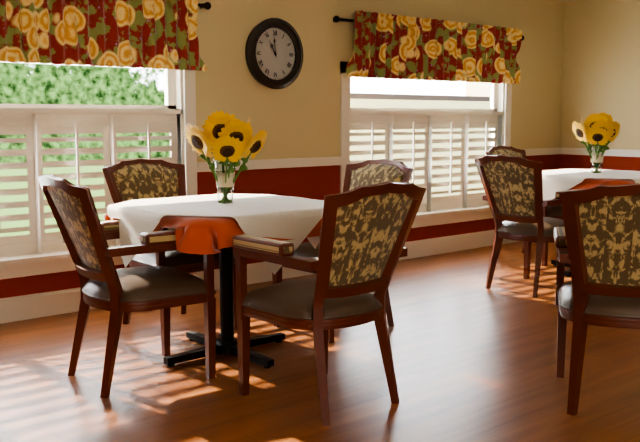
10.59
